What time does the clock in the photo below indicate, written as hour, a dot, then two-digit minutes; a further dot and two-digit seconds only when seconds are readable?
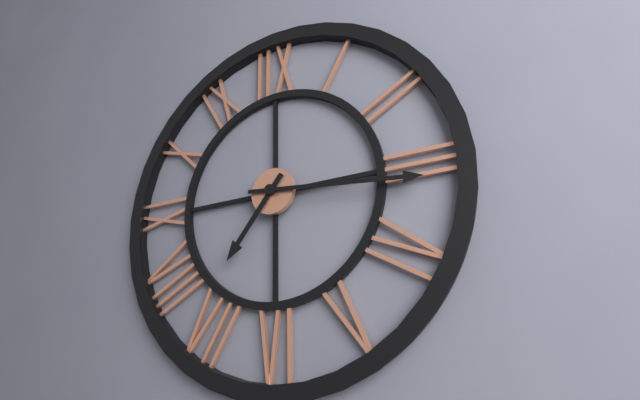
7.16
